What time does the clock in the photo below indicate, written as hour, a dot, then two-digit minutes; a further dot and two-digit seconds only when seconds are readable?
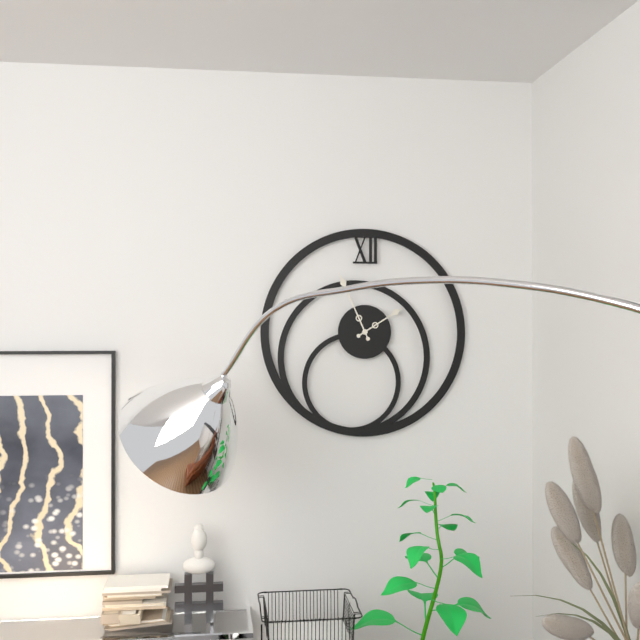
1.56
